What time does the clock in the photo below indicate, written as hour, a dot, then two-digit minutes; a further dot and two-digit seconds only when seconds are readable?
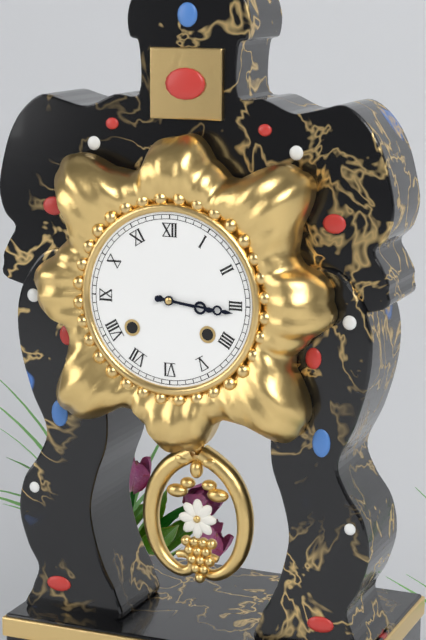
3.16
